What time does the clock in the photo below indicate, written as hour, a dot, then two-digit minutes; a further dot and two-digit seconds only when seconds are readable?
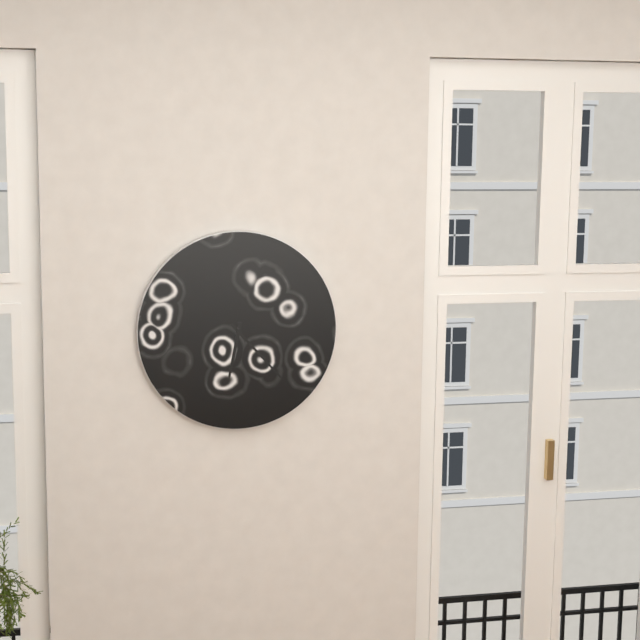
6.23
